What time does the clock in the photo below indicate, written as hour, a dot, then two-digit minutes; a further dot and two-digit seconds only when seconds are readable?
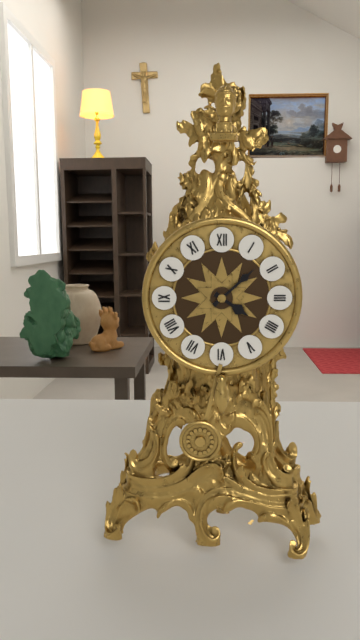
4.08
